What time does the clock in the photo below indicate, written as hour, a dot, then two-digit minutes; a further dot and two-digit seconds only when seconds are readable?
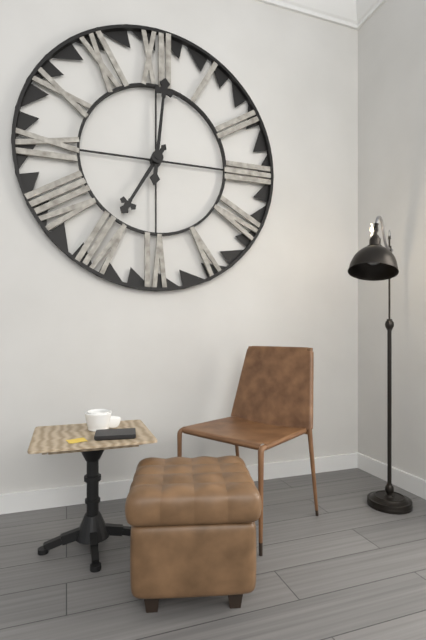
7.01
